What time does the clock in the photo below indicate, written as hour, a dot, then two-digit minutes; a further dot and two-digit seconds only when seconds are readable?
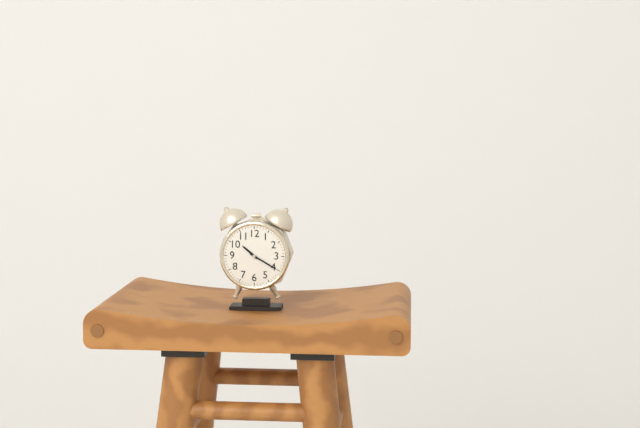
10.20
